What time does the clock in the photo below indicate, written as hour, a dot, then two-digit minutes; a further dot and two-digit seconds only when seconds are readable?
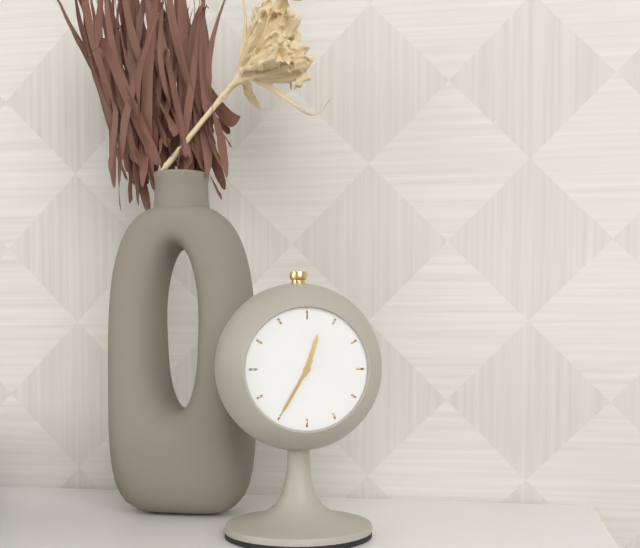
12.35
